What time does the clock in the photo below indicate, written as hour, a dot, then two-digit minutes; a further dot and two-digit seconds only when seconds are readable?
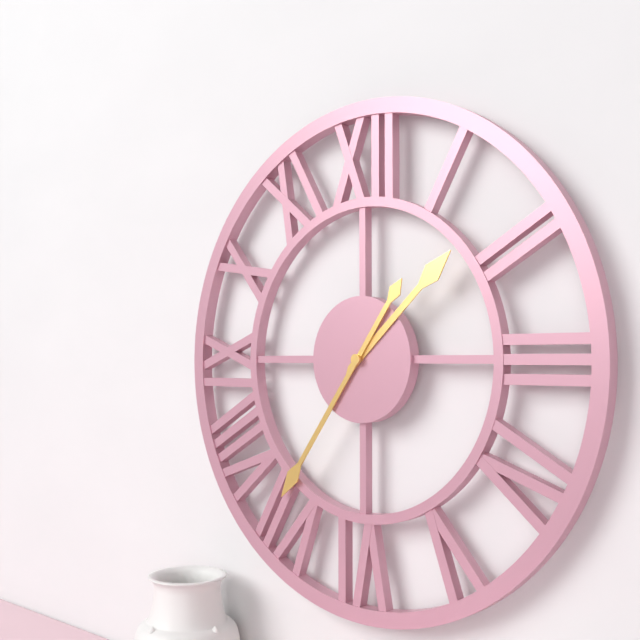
1.36
